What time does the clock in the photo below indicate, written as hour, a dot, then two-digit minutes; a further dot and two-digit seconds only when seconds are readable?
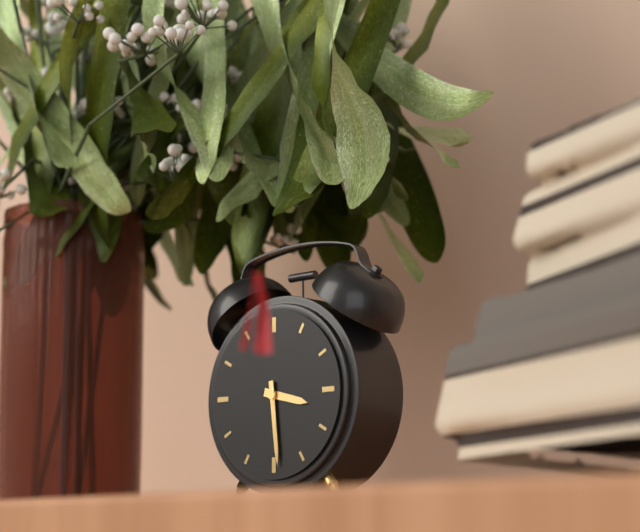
3.29
